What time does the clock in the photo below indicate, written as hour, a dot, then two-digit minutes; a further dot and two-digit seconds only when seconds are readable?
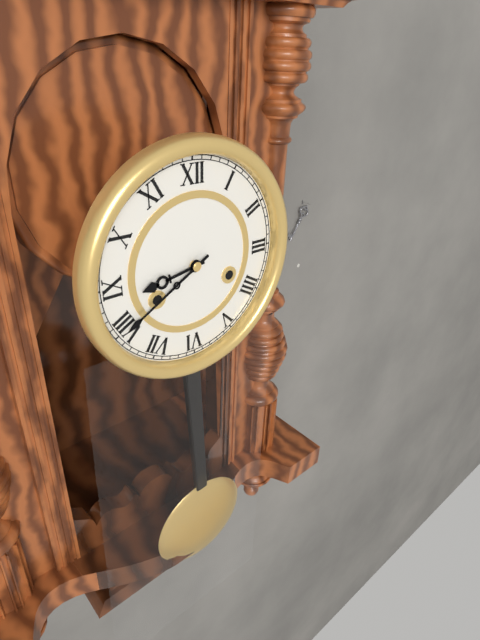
8.40
